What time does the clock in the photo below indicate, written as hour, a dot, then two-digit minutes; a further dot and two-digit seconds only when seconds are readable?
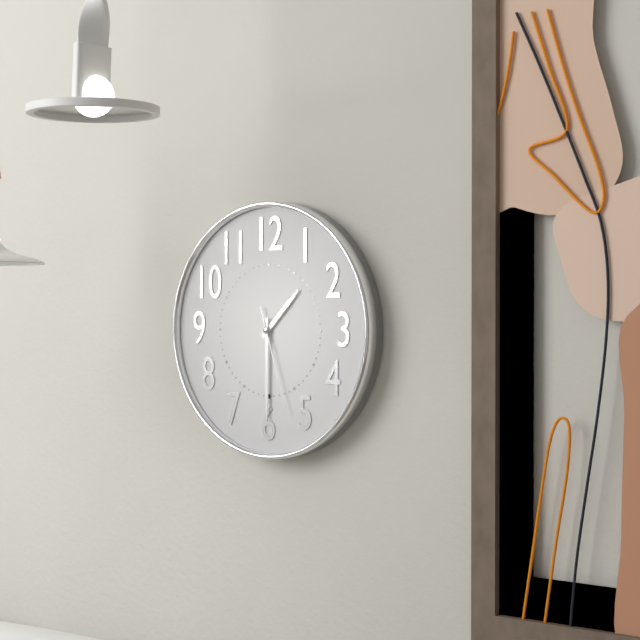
1.30.27
